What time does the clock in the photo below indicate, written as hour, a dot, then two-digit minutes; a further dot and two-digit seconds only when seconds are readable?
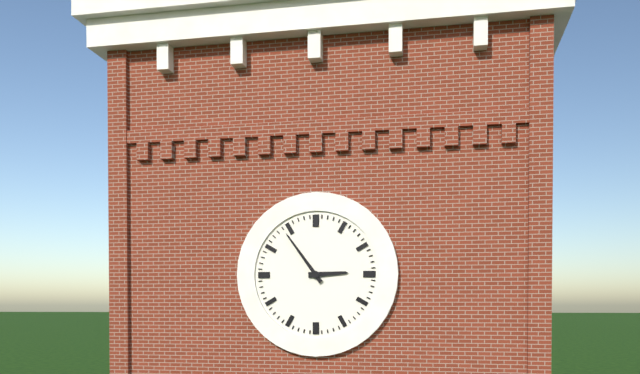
2.54
